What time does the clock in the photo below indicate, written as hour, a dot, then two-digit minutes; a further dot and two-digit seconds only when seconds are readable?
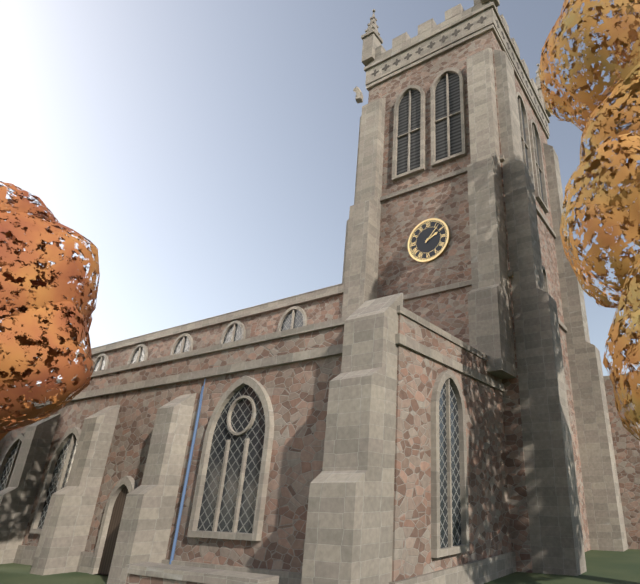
2.07
